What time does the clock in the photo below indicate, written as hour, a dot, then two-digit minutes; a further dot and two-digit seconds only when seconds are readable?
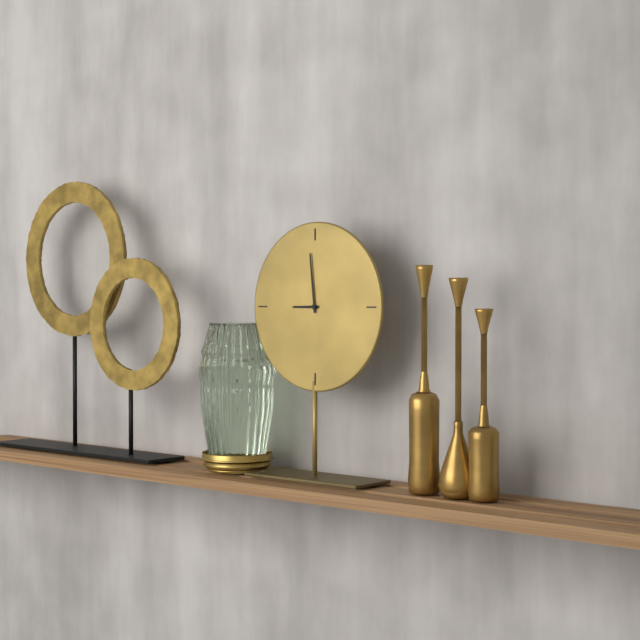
8.59
